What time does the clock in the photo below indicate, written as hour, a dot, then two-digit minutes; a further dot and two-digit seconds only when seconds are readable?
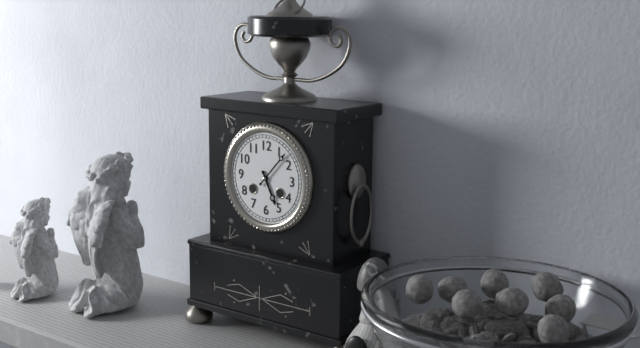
5.07
